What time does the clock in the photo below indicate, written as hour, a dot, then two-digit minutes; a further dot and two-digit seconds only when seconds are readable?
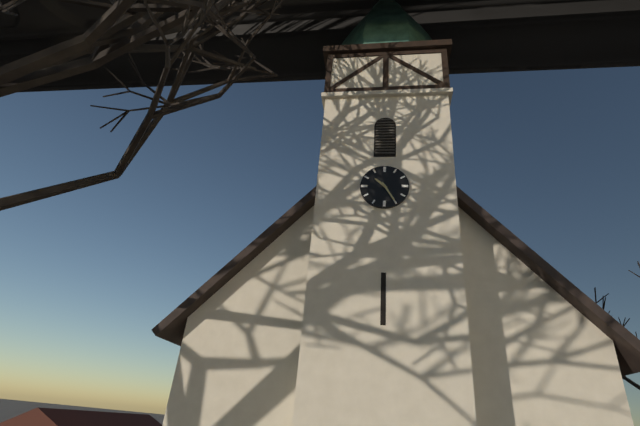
10.25
